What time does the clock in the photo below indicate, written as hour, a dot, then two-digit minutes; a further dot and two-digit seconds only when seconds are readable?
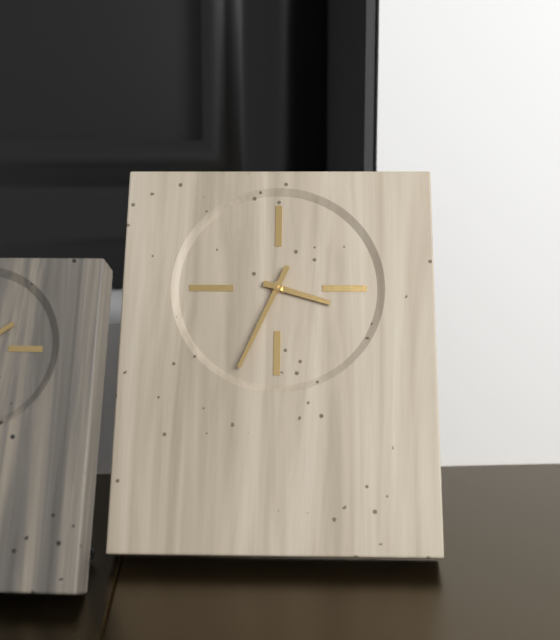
3.34
